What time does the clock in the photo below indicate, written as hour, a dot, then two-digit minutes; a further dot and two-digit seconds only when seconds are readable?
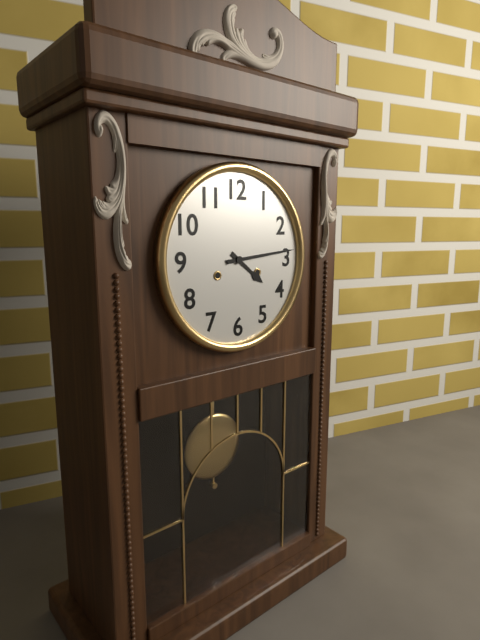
4.14
